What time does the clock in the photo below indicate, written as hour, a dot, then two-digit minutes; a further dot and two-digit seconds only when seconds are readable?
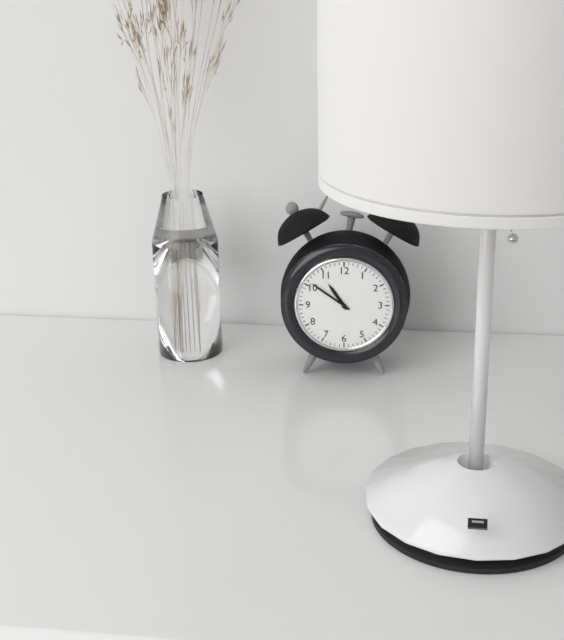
10.51
